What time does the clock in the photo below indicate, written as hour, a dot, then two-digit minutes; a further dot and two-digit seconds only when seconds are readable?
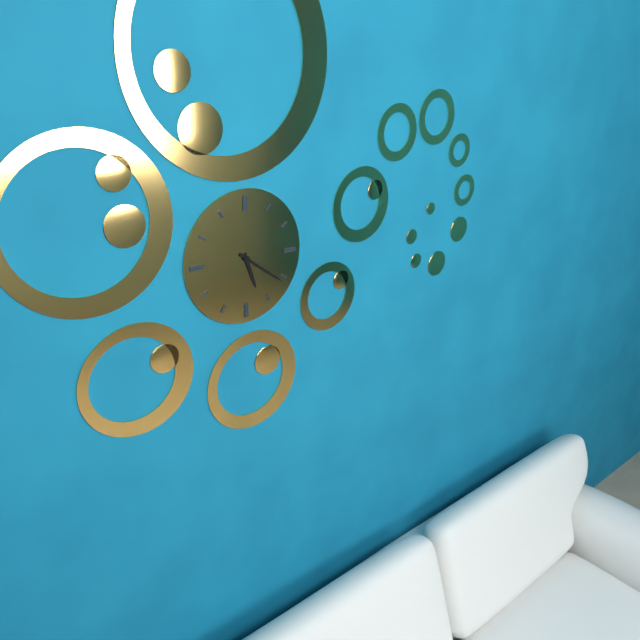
5.21
